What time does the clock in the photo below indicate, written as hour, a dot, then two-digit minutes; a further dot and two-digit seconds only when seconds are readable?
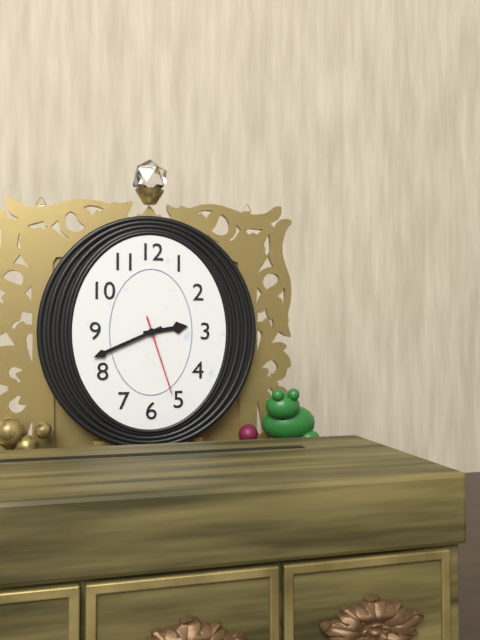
2.41.27
